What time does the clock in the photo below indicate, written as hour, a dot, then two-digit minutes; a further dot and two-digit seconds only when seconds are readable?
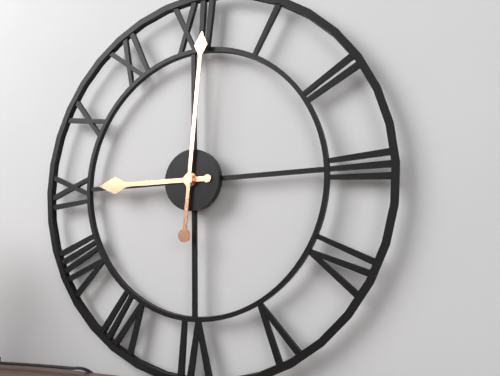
9.01
